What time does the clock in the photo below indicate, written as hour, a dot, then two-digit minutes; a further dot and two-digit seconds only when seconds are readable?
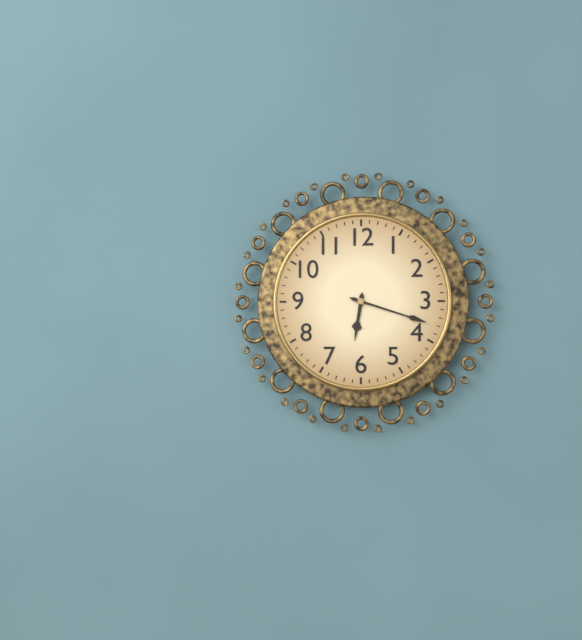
6.18
